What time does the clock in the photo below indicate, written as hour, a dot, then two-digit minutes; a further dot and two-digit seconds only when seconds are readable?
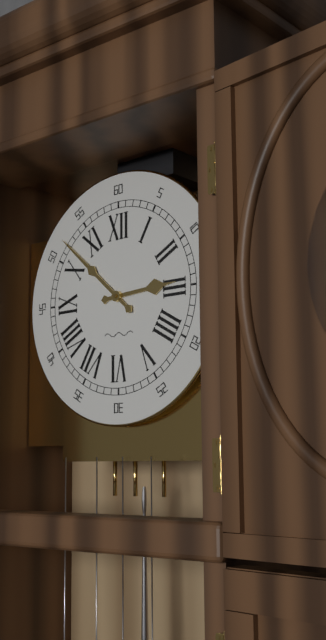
2.52
